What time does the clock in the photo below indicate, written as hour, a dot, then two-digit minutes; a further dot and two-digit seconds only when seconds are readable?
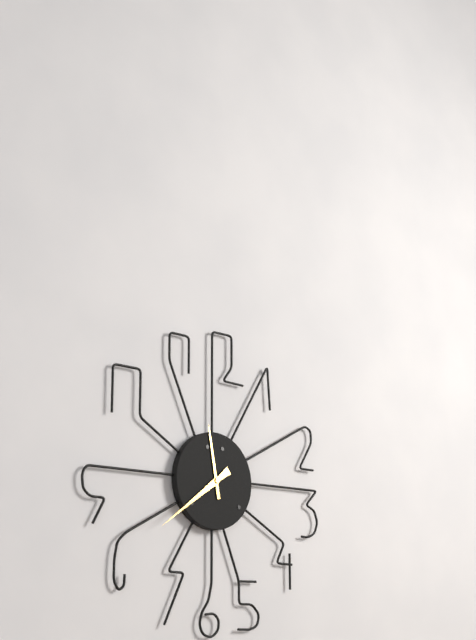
11.39
